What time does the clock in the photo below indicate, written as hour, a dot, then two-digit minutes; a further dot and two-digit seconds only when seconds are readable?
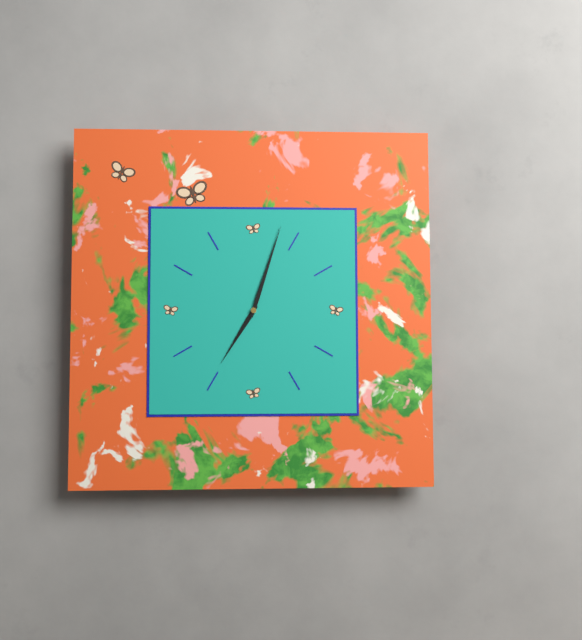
7.03
